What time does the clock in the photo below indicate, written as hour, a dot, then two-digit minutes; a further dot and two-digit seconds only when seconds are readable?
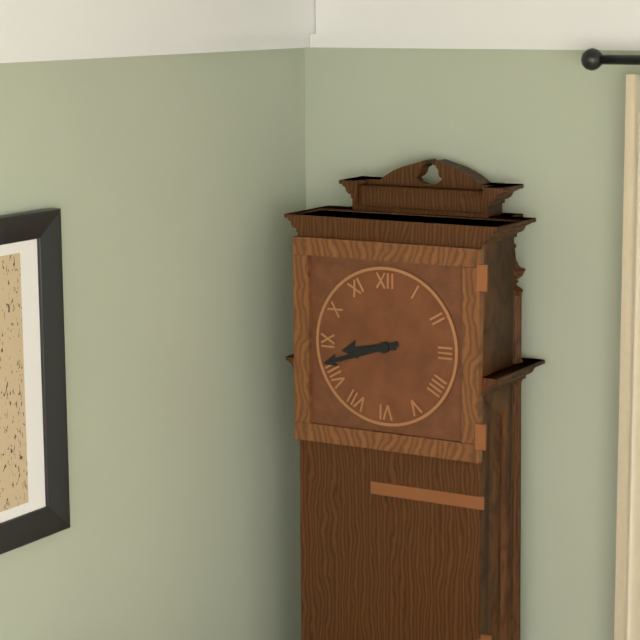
8.42
